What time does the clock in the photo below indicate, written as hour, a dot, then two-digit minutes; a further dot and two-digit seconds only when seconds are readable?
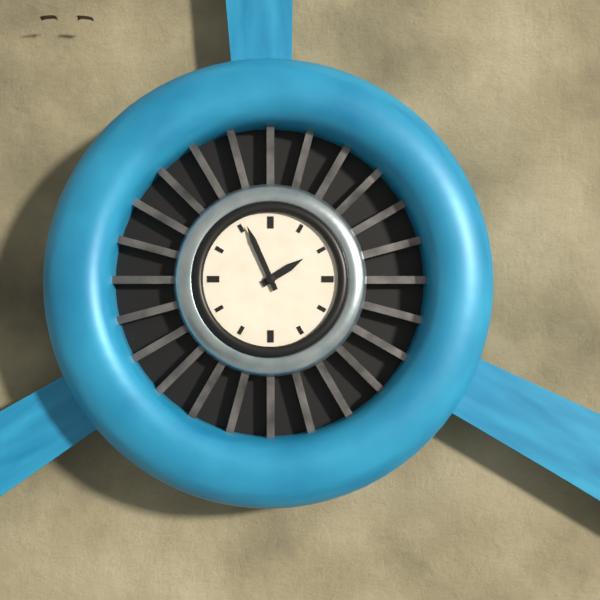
1.56
